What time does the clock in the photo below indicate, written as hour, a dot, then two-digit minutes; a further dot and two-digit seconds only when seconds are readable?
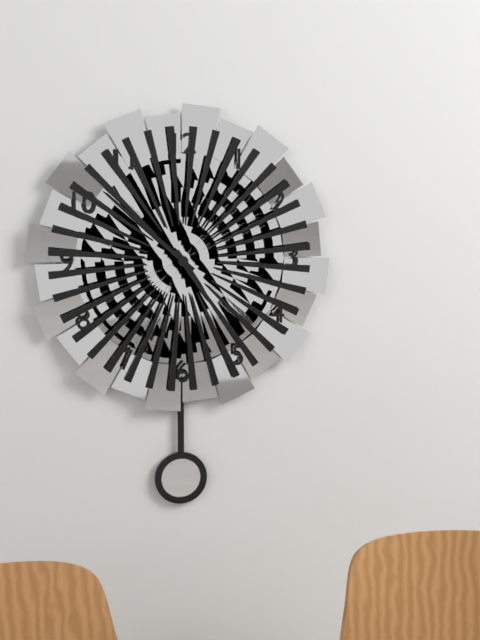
4.52
